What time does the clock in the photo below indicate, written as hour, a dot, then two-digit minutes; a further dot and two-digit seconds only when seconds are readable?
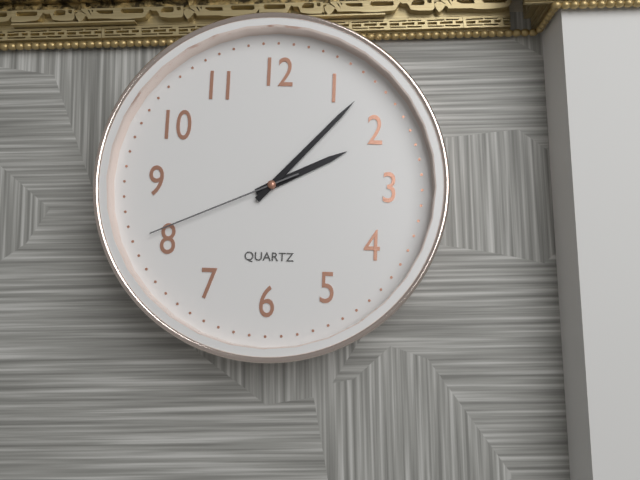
2.07.41
